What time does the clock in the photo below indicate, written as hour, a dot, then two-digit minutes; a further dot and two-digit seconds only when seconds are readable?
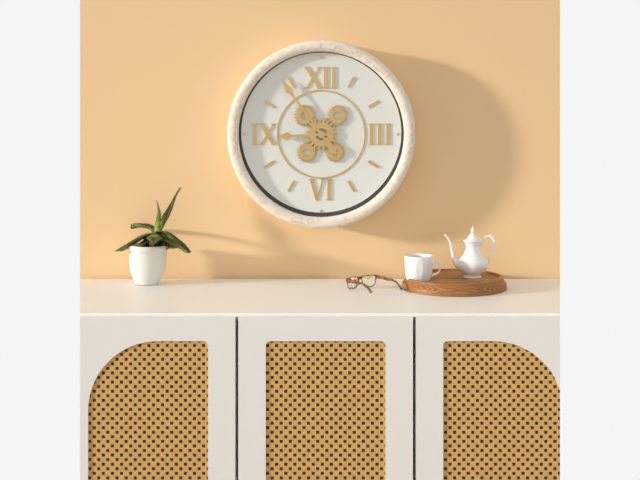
8.54
